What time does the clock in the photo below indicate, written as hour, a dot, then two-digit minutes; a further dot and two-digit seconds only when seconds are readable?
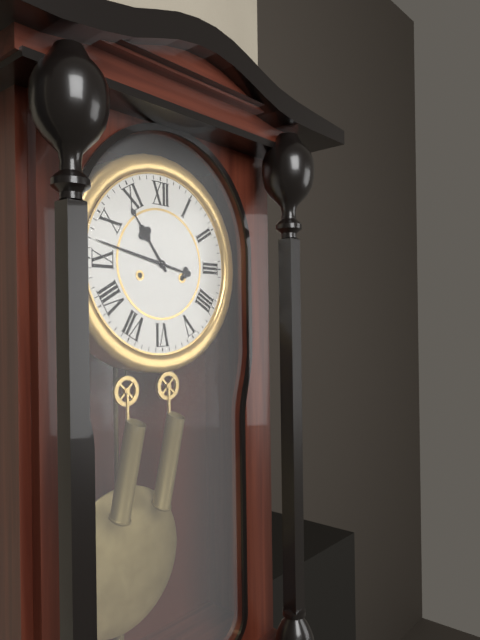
10.47
